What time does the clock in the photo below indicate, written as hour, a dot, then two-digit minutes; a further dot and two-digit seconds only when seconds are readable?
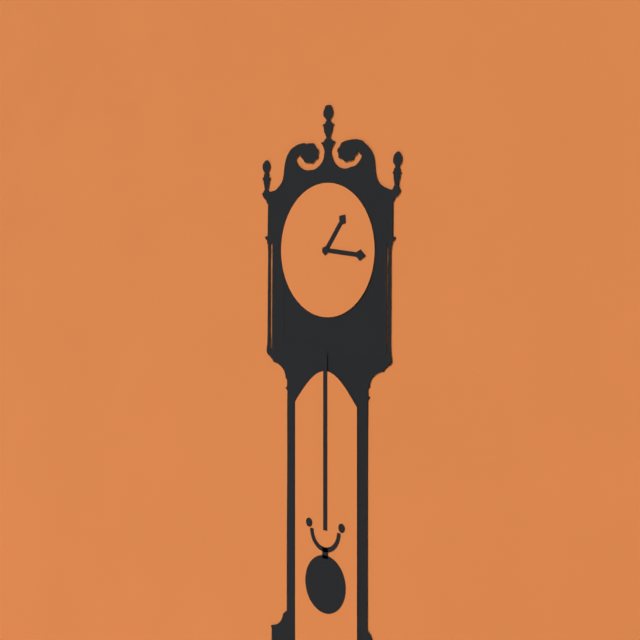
1.16
